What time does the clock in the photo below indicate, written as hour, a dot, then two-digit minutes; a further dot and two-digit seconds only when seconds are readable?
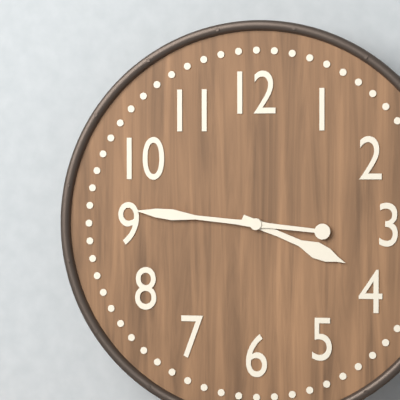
3.46
